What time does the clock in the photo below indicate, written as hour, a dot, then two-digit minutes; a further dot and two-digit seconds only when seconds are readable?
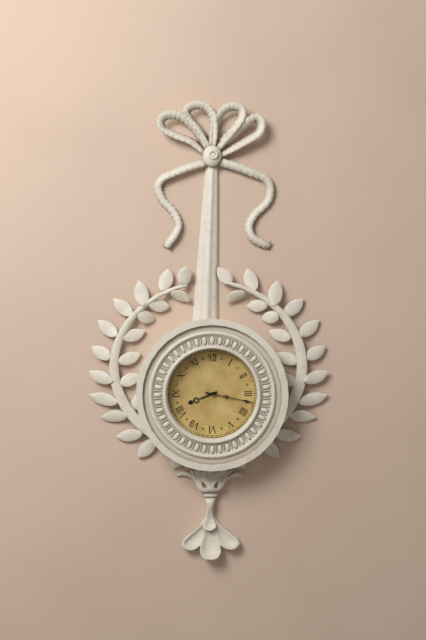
8.17
